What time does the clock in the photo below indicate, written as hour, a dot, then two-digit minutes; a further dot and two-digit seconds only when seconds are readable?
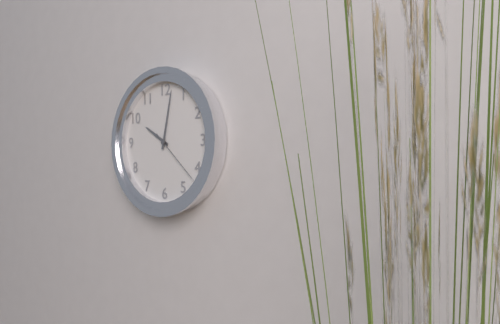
10.02.22
